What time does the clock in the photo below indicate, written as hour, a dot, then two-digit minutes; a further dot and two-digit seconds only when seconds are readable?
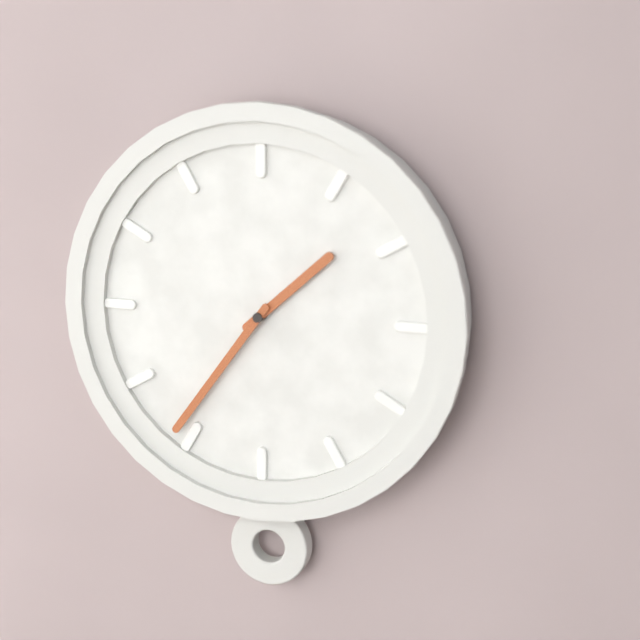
1.36
